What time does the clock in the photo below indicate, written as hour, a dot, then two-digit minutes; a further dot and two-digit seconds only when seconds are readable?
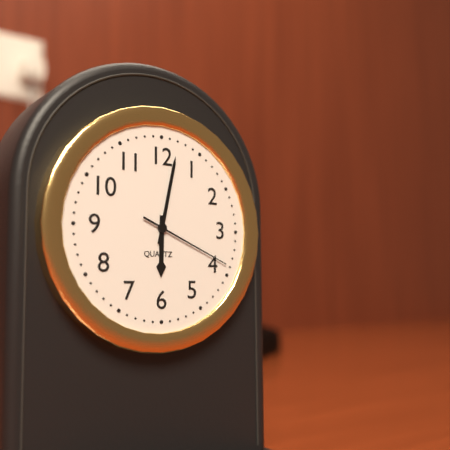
6.02.19
